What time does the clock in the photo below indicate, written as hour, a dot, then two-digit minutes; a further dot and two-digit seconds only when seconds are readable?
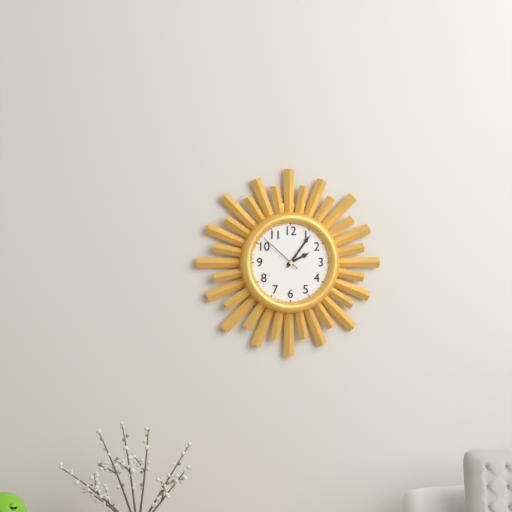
2.06
